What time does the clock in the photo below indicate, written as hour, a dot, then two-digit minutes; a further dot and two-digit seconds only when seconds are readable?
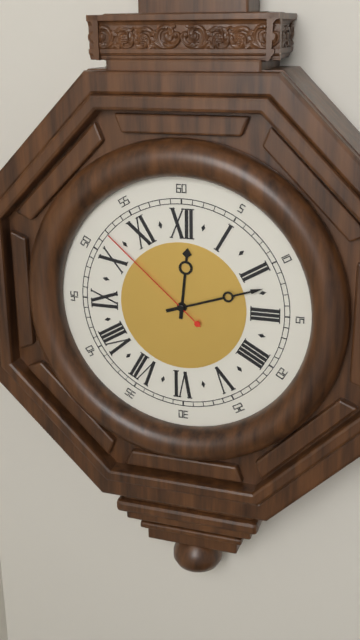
12.12.52
